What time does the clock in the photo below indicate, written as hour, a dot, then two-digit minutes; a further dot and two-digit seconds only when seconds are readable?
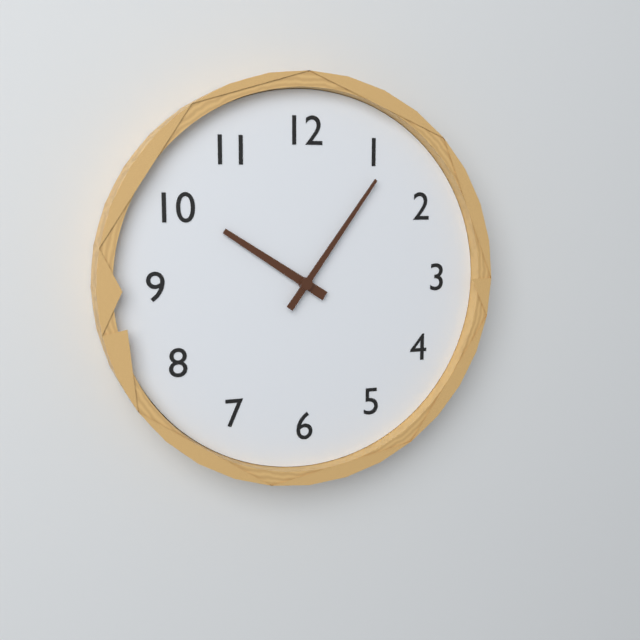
10.06
